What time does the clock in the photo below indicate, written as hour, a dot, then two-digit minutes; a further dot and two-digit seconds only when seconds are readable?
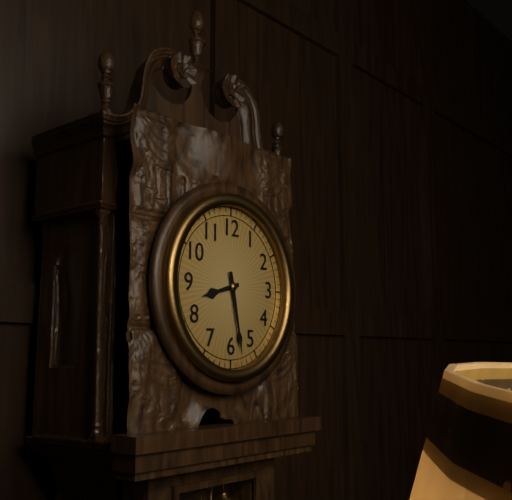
8.28
